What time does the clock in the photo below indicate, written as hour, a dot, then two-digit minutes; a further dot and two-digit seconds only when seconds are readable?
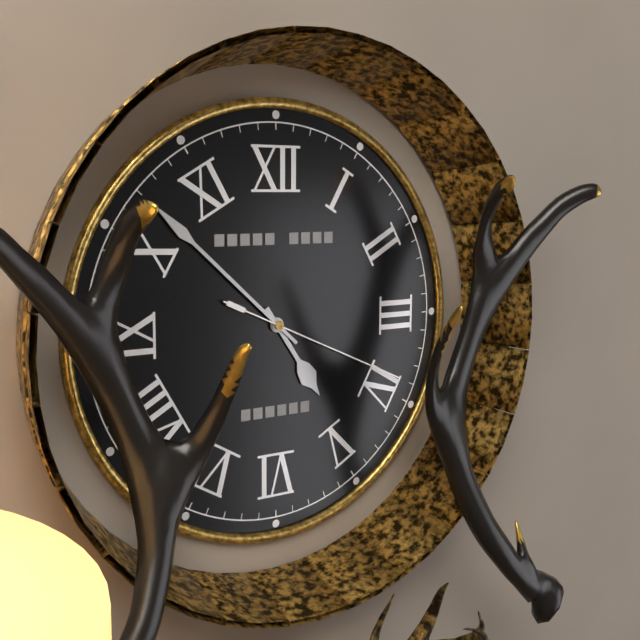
4.52.19
